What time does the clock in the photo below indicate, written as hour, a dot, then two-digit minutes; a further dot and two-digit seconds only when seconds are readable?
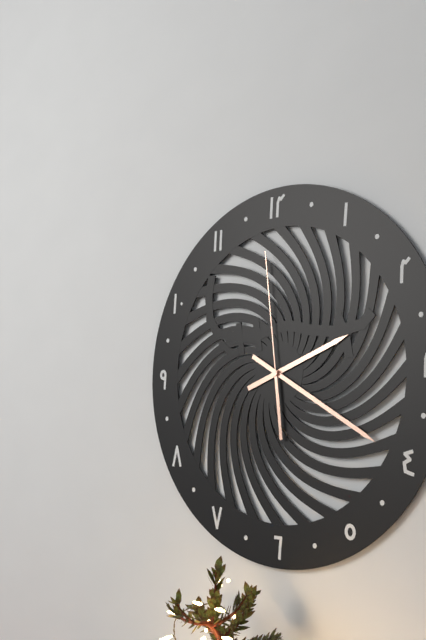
2.20.59
